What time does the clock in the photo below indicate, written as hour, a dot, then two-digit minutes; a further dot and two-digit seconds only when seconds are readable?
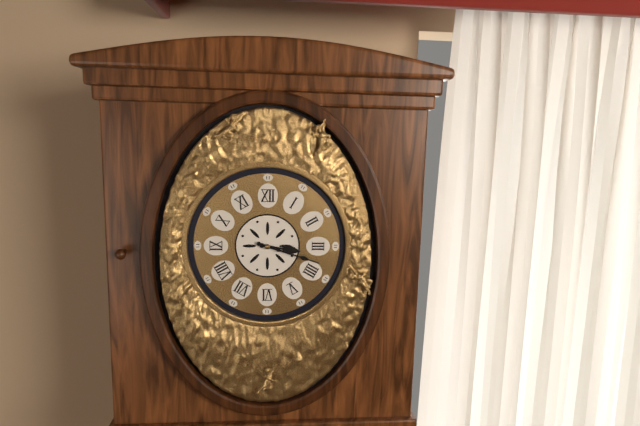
3.18
